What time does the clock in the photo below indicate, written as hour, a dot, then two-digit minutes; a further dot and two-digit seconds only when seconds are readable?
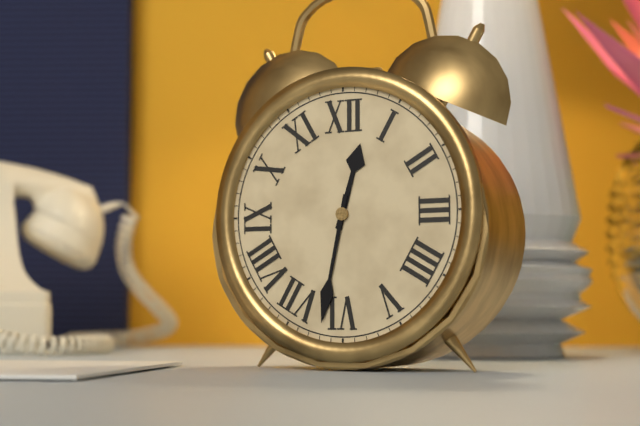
12.32
